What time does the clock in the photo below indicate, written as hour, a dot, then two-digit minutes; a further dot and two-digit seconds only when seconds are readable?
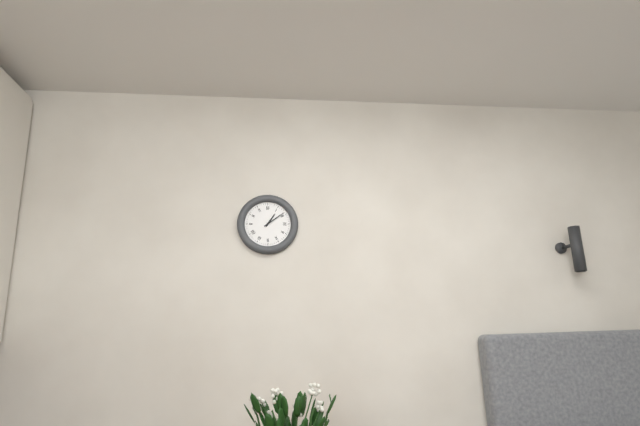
1.09
